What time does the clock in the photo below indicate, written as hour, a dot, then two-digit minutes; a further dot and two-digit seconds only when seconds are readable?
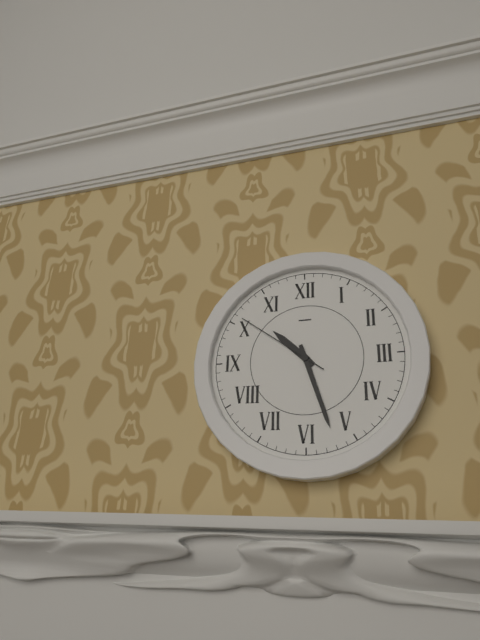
10.27.51
